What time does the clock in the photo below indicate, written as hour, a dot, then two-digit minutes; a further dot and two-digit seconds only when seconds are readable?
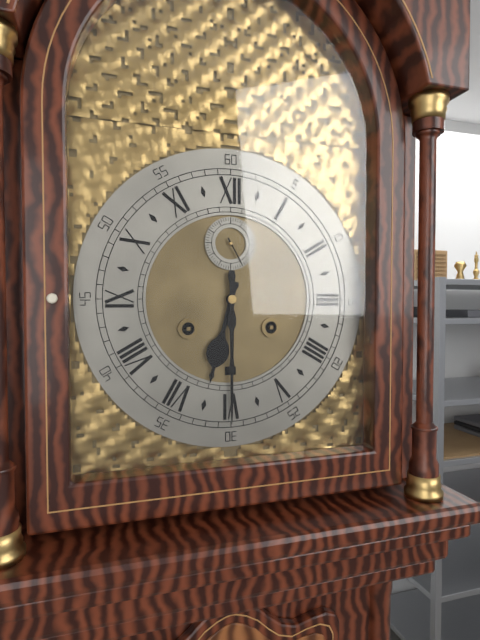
6.30
